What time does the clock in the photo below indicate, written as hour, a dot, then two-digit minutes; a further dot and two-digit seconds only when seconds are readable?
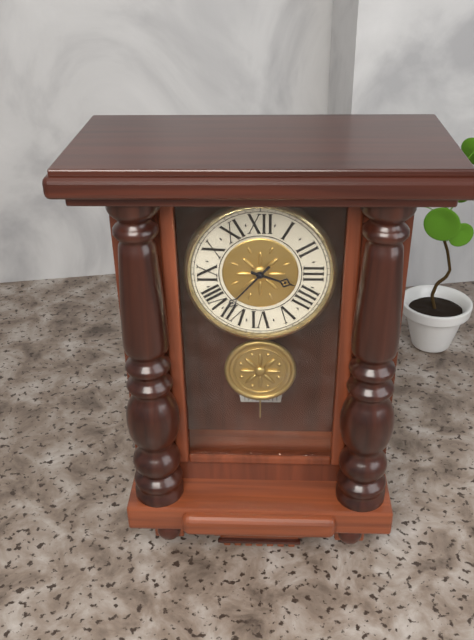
3.37
